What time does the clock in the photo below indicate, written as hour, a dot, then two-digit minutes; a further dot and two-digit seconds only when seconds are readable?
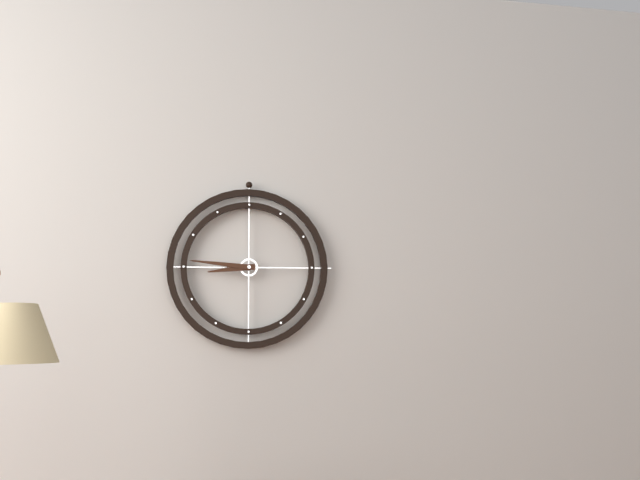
8.46
